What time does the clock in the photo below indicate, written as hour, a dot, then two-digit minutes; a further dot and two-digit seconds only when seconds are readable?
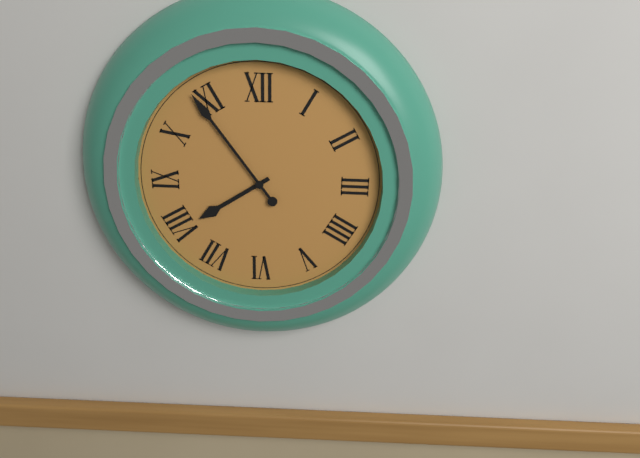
7.54
